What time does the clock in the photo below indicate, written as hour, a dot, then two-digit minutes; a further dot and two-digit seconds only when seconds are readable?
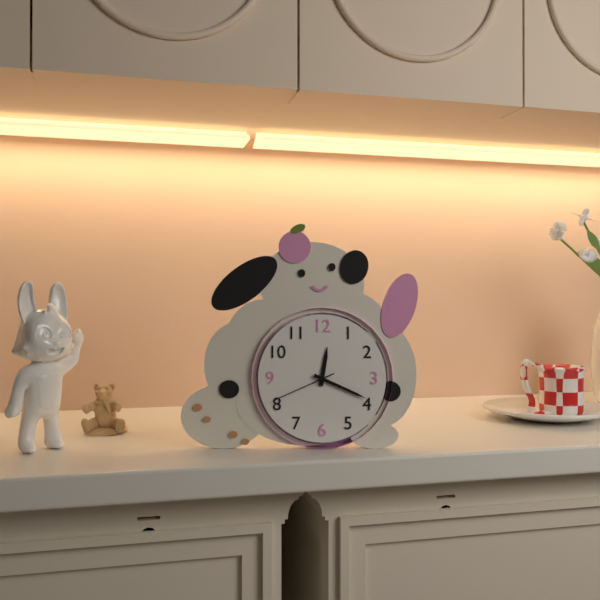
12.19.41
